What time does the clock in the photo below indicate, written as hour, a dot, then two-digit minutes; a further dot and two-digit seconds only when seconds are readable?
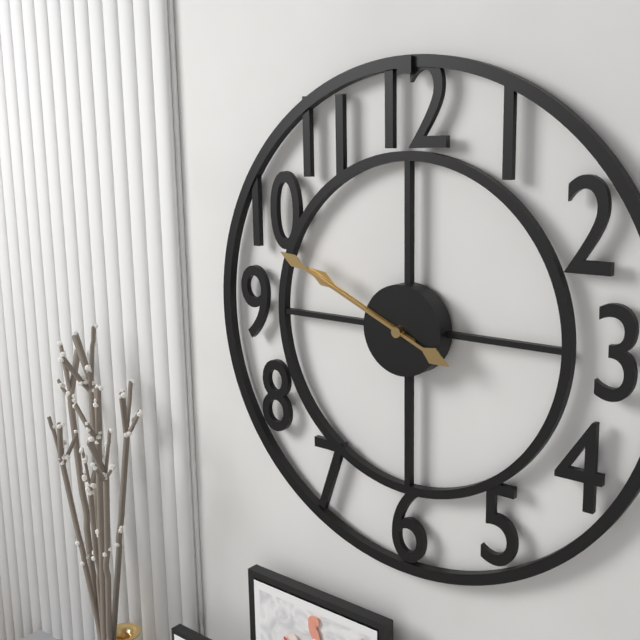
9.49
